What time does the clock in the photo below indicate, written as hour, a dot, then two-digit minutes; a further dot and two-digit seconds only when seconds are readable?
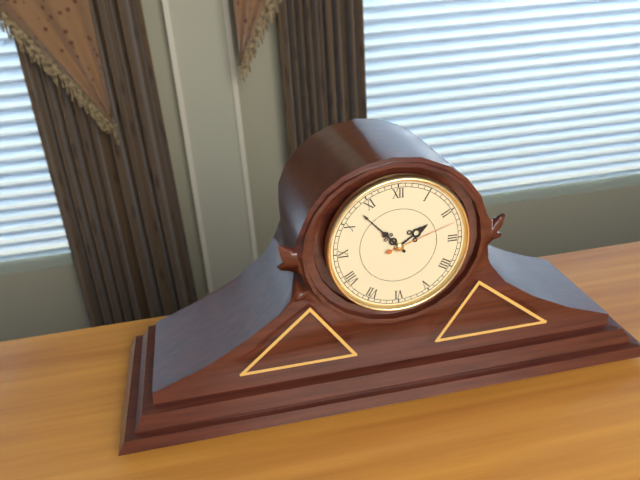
1.53.12
